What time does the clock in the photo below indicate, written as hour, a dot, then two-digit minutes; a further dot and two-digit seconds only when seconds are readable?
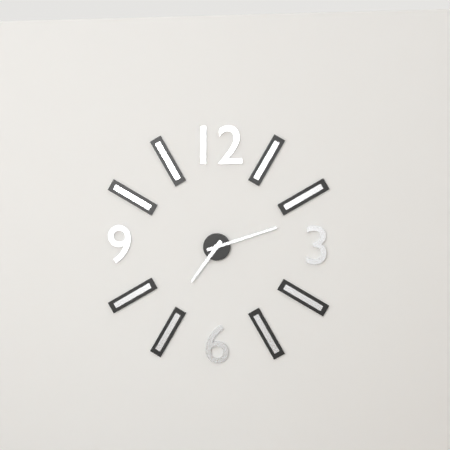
7.12
